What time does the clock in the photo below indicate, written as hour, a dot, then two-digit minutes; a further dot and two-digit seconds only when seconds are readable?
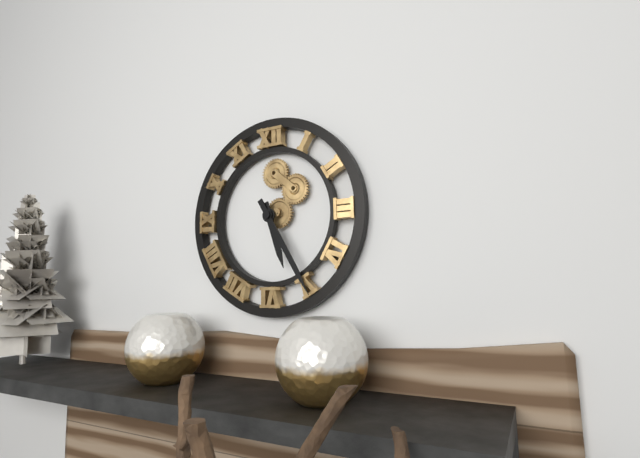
5.25
